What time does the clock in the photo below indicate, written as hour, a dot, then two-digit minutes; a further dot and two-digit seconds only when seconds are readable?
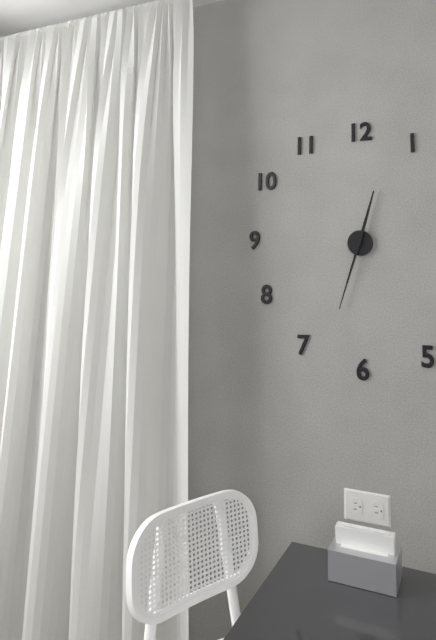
12.33
